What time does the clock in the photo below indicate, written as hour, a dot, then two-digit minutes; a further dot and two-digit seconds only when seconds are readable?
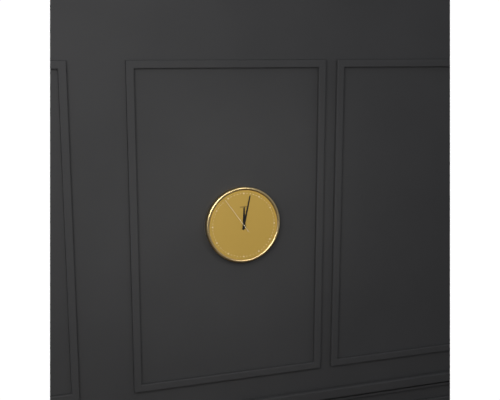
12.02
